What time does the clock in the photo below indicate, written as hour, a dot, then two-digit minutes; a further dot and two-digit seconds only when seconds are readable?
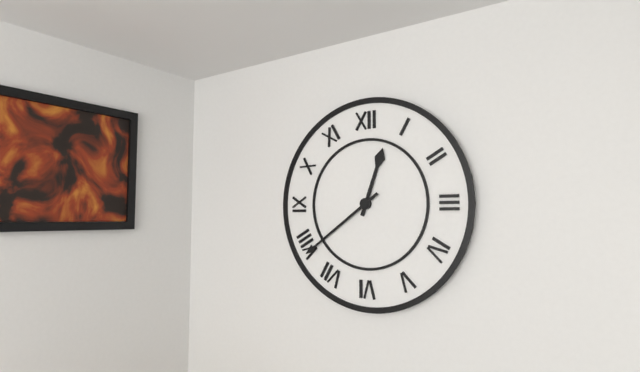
12.39
